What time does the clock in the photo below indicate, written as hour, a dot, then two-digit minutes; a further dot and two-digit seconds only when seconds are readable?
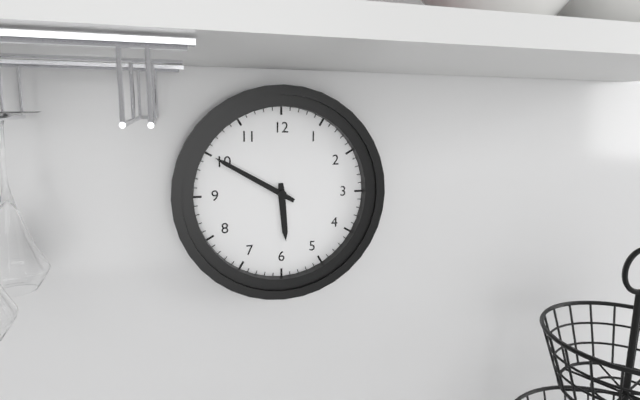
5.50
